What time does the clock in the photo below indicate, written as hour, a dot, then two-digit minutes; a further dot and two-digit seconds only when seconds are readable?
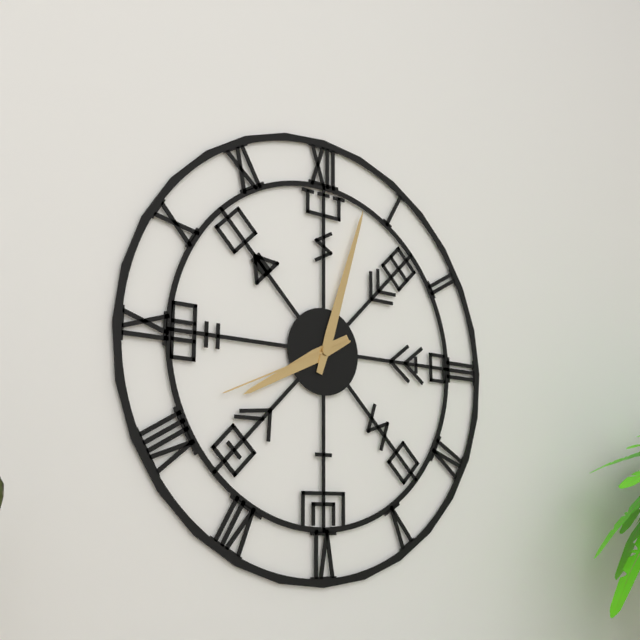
8.03.41
